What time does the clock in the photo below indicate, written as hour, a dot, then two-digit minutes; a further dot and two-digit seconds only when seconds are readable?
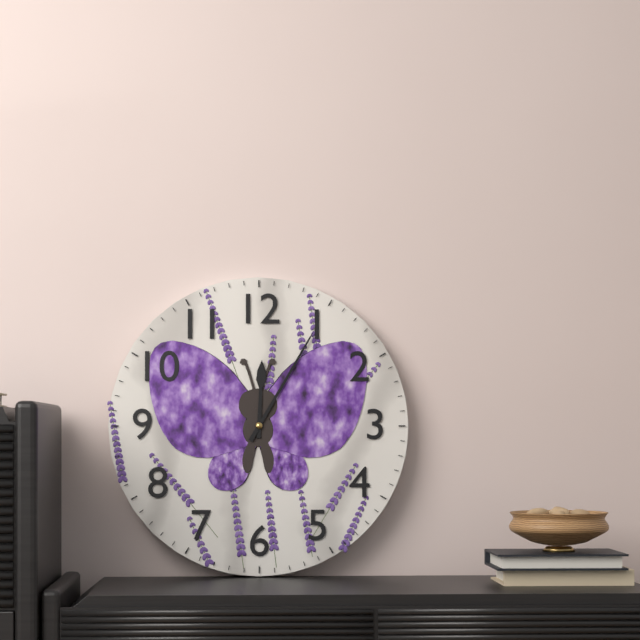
12.05
